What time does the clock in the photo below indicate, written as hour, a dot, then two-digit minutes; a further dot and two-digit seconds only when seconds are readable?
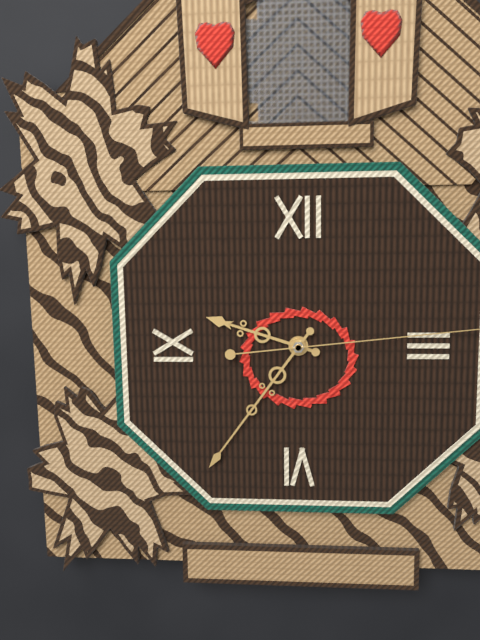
9.36
